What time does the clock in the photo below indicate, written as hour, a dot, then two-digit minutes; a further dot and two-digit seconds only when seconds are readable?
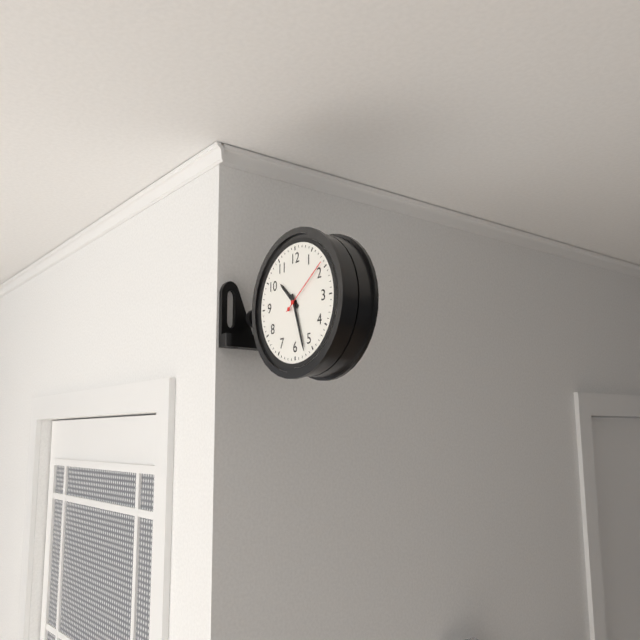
10.27.09
